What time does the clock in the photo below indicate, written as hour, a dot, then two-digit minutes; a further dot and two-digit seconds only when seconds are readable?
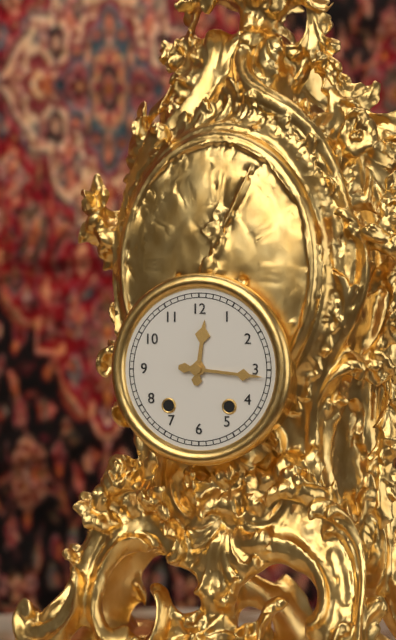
12.16
